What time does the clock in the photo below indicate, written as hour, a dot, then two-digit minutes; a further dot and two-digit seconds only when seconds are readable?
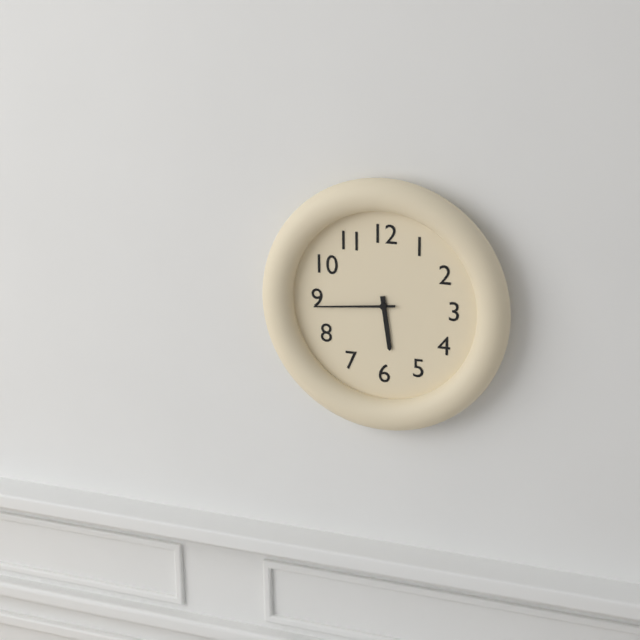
5.44
